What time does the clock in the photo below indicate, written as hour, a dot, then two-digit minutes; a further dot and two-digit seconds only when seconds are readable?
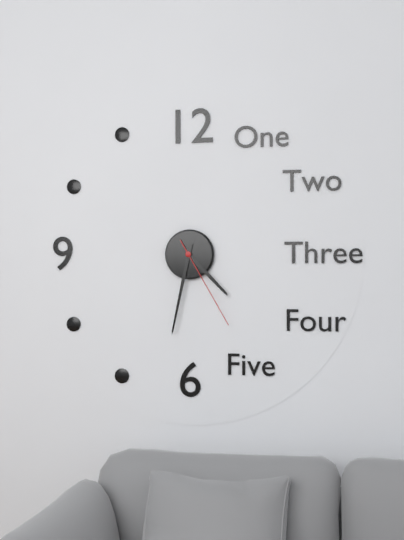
4.32.25
